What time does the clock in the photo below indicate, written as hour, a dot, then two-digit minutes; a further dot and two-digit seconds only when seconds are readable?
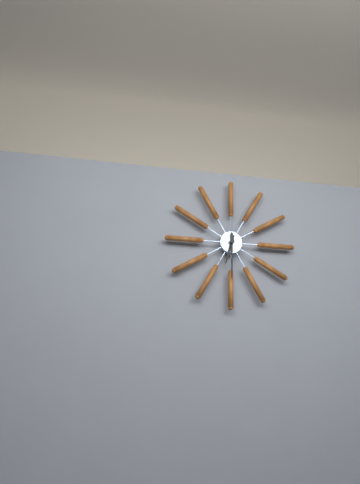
6.30
